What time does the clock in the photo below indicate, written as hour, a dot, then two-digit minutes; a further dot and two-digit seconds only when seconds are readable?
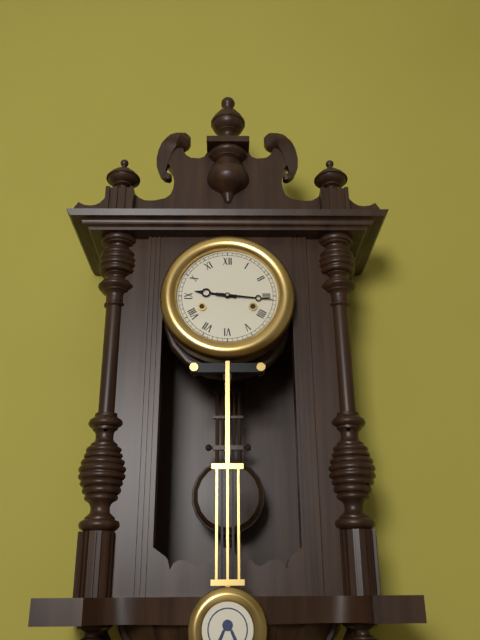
9.16
